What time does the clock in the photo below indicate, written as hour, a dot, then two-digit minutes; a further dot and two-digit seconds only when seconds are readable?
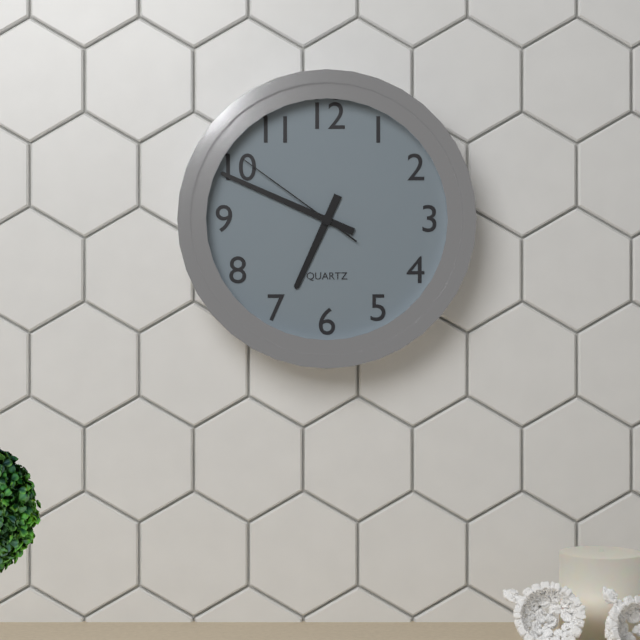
6.49.51
